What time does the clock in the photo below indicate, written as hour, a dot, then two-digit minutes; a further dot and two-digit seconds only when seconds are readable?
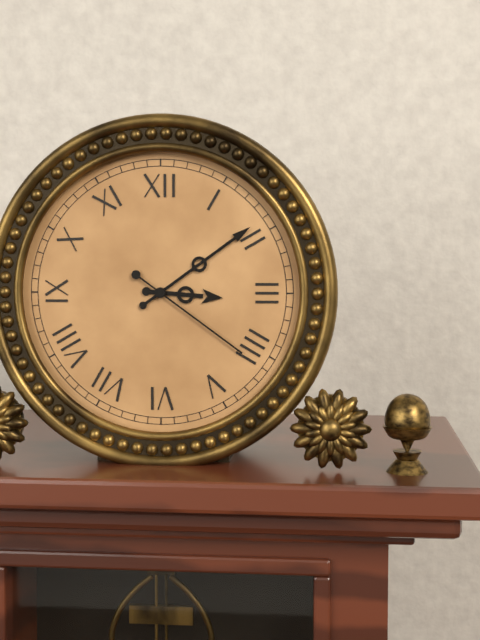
3.09.21
